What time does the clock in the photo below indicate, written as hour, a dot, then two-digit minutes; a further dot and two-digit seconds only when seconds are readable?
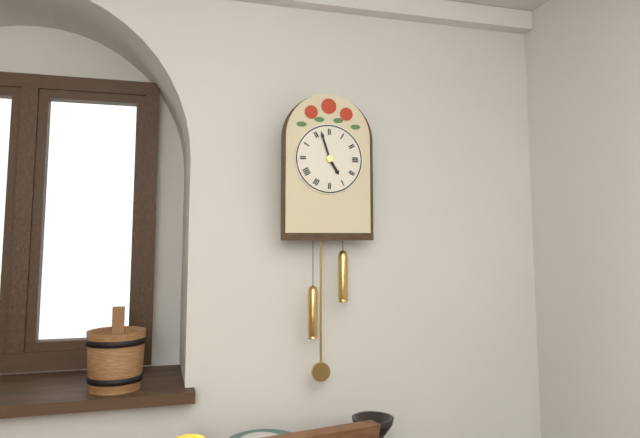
4.57
